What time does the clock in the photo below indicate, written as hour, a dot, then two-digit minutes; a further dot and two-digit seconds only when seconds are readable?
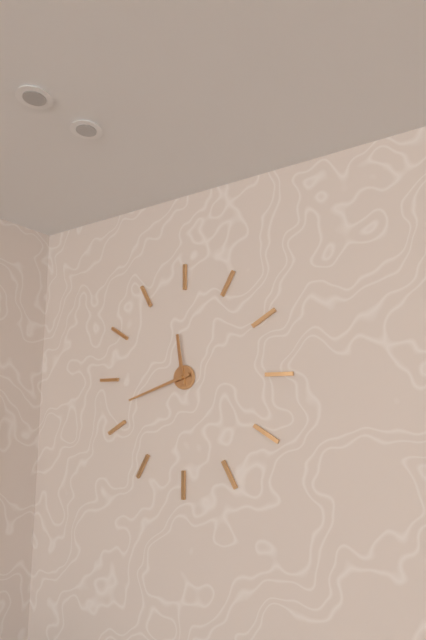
11.42
